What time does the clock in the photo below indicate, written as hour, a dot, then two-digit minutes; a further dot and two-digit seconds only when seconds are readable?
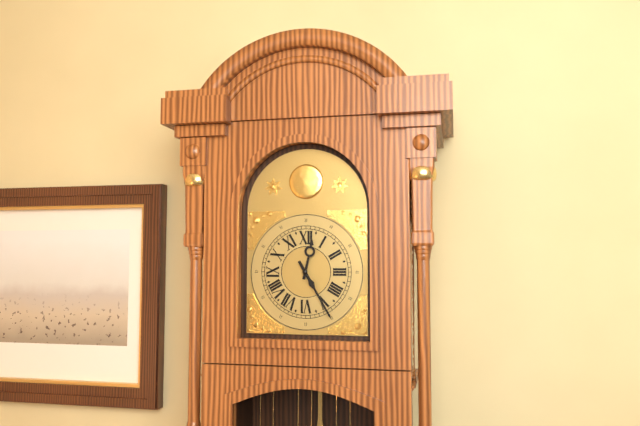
12.25
